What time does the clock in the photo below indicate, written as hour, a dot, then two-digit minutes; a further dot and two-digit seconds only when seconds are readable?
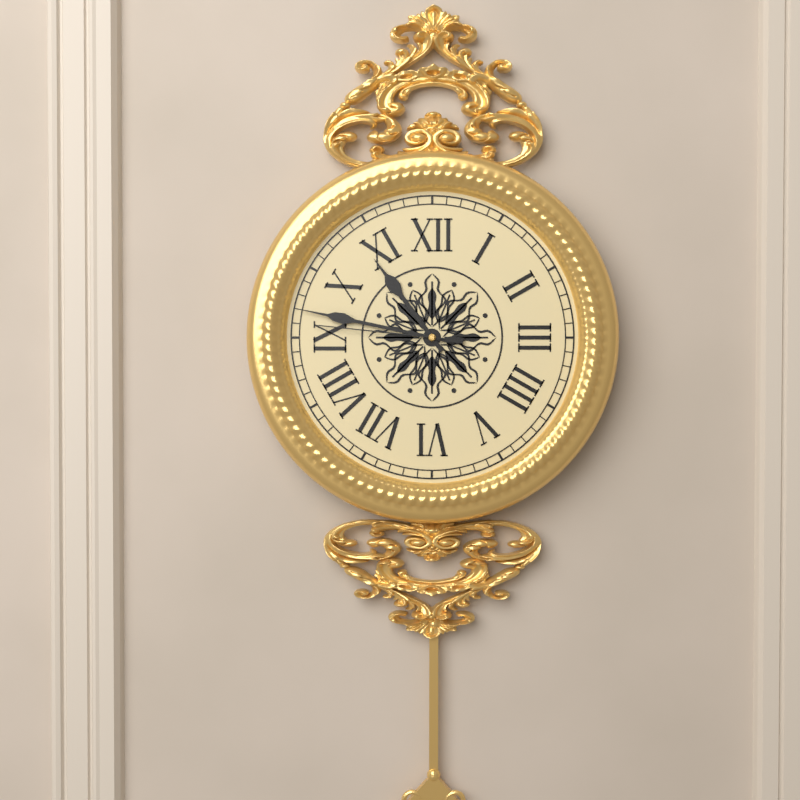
10.47.46
